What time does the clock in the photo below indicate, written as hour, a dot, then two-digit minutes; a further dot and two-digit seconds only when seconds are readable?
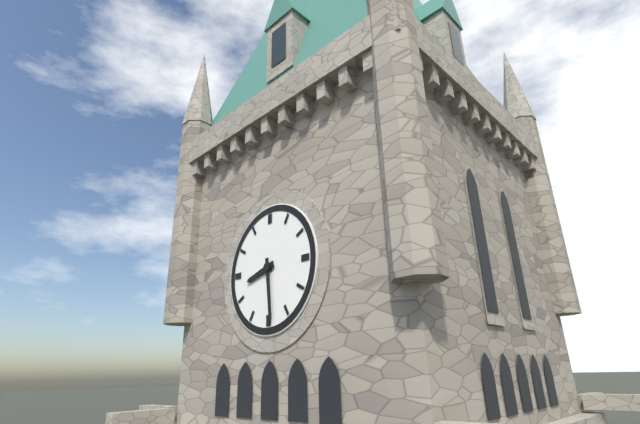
8.29
